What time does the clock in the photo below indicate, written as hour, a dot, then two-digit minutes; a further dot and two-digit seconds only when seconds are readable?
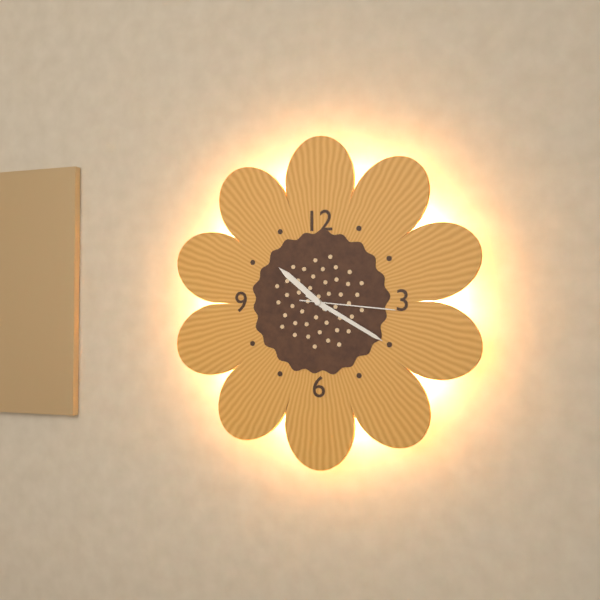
10.20.16
